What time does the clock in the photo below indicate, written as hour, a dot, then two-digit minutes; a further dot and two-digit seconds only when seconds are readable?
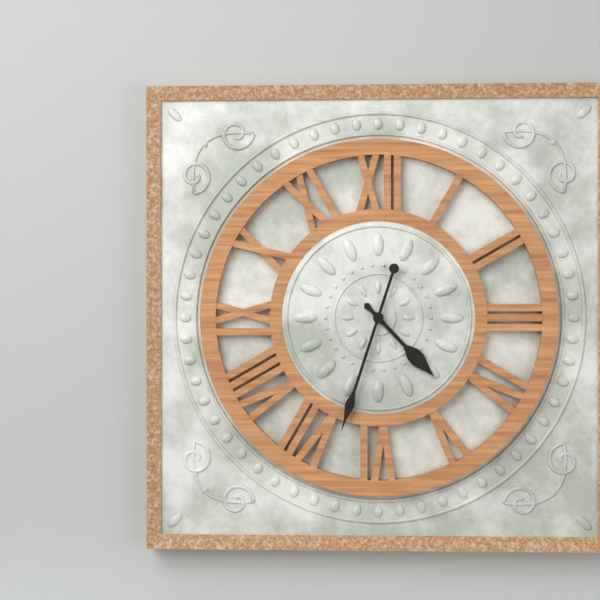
4.33
